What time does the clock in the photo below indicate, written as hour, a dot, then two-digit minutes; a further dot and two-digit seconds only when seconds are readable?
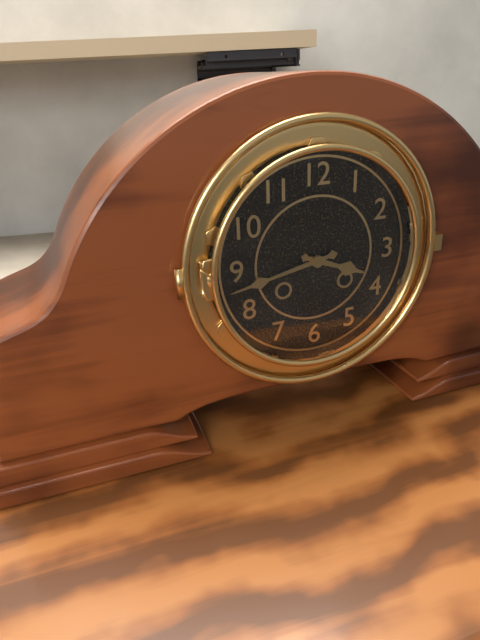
3.43
